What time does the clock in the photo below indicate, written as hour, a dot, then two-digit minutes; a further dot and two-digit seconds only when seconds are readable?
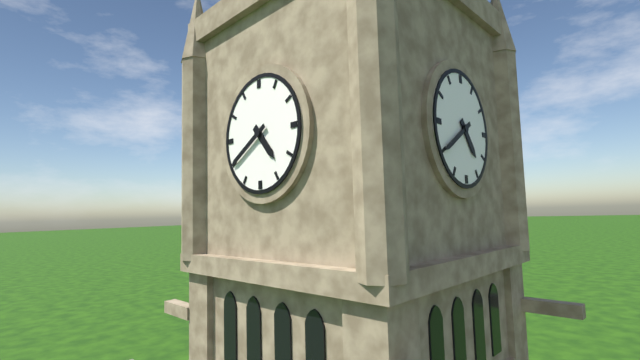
4.40
